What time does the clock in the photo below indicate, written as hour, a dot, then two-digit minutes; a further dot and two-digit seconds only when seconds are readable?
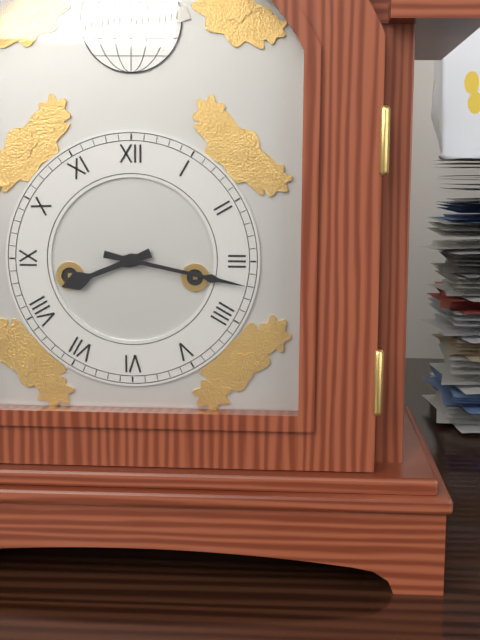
8.17
